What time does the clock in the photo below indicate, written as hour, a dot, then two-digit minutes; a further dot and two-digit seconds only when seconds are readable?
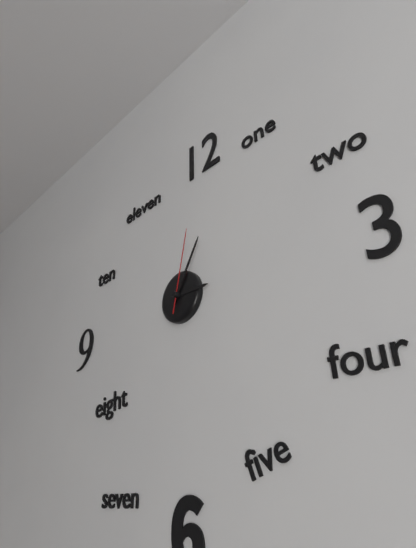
3.05.02
